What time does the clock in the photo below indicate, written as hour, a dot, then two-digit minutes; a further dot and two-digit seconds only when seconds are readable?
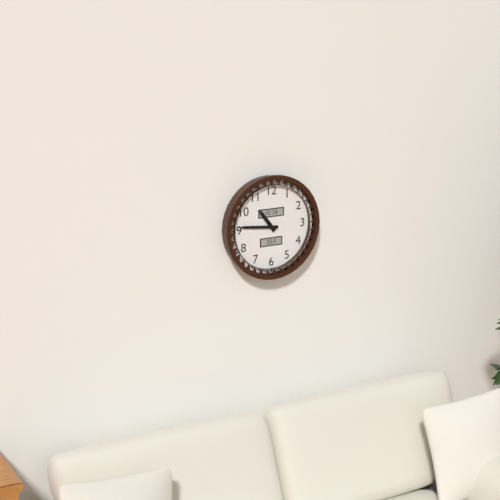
10.46
